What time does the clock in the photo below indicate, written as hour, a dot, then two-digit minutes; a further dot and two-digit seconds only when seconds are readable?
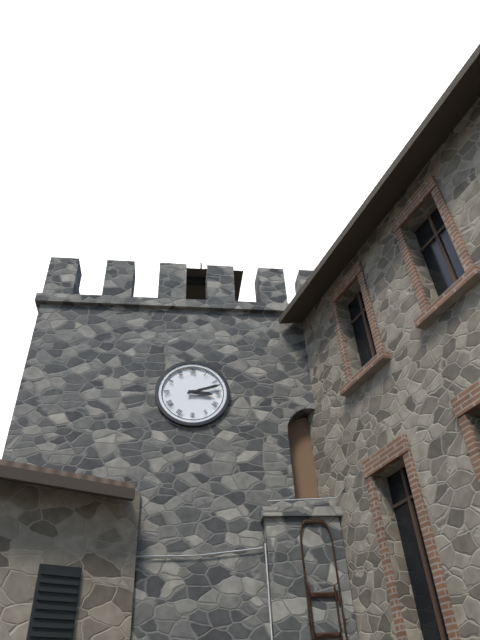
3.12
